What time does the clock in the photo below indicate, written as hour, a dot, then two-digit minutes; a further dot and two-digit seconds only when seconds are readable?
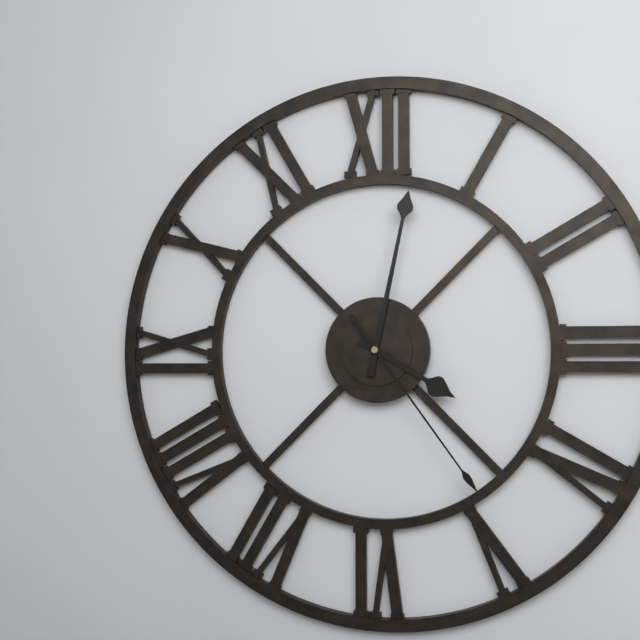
4.02.24
